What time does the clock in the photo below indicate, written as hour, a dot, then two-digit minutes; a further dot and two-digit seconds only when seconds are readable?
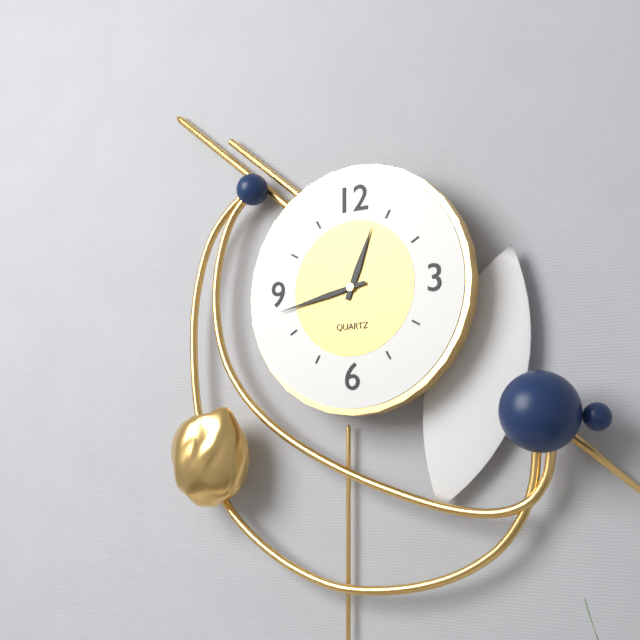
12.43
